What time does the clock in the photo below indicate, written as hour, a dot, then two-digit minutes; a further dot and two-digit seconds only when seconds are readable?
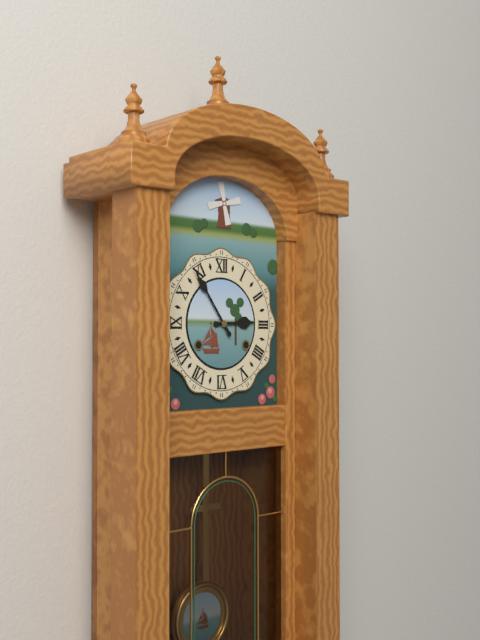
2.54
